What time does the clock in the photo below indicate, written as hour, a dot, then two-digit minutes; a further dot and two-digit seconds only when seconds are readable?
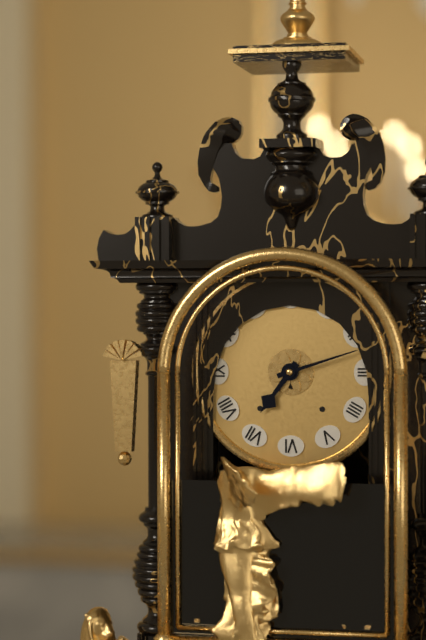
7.12
